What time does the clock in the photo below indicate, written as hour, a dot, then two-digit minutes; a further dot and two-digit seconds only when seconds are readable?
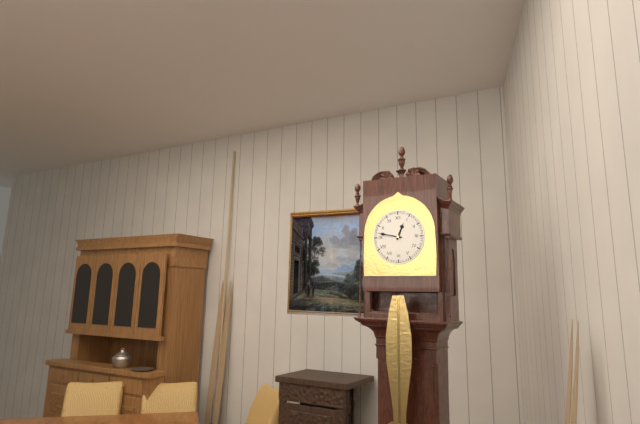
12.47
